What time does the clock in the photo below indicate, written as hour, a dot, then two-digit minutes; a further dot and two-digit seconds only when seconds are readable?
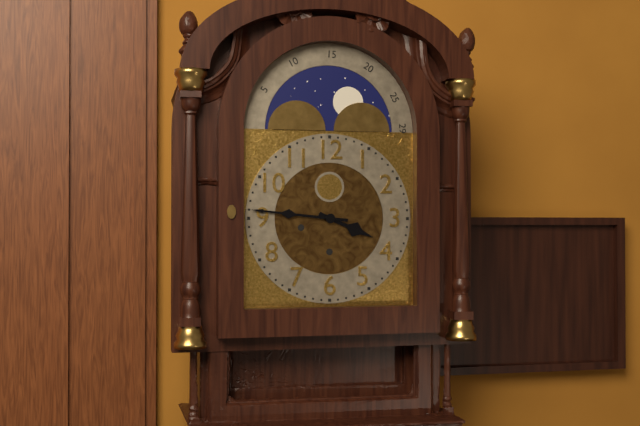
3.46
